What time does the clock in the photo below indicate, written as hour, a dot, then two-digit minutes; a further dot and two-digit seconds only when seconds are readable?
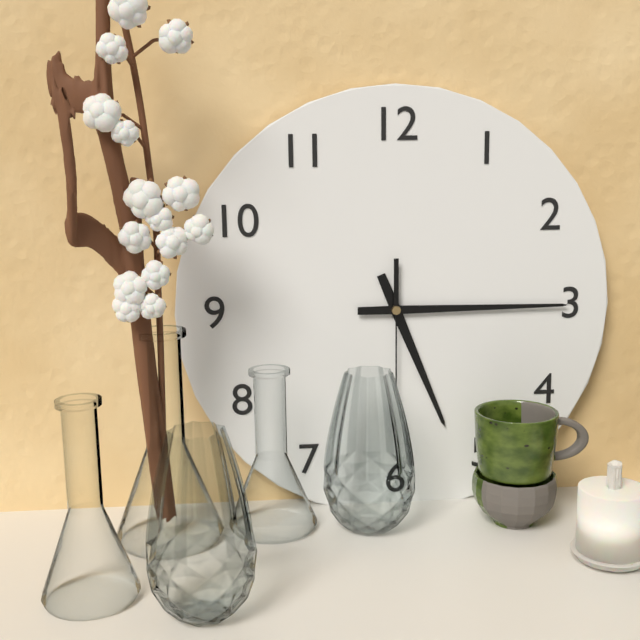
5.15.30
